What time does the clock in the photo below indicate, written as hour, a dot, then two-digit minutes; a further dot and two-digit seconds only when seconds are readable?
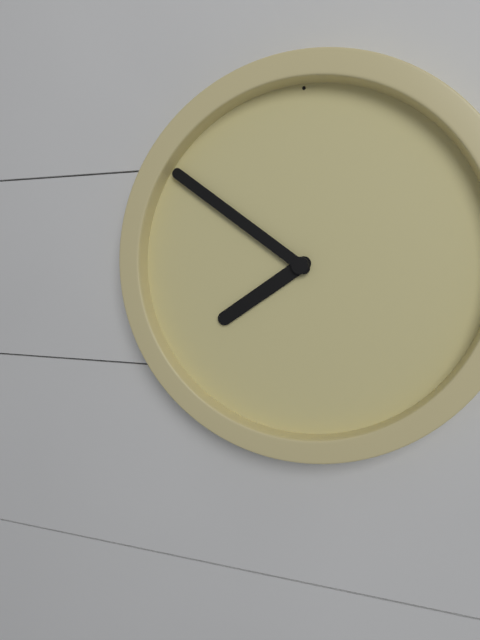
7.51
